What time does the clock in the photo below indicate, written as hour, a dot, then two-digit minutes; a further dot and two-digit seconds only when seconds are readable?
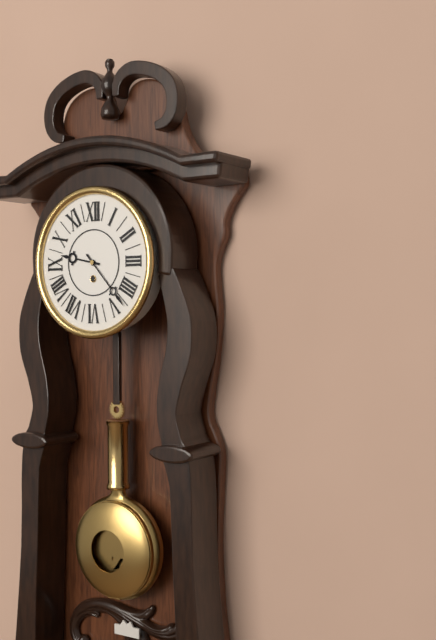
9.23
